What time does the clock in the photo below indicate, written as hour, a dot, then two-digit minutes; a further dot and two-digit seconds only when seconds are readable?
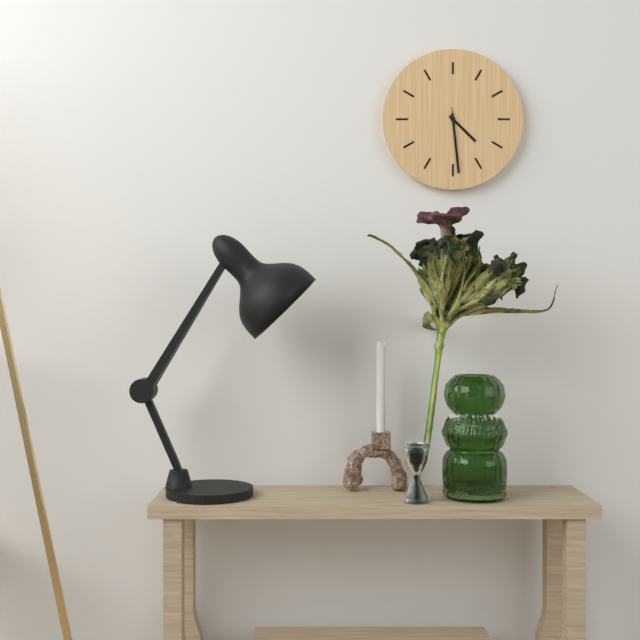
4.29.29
